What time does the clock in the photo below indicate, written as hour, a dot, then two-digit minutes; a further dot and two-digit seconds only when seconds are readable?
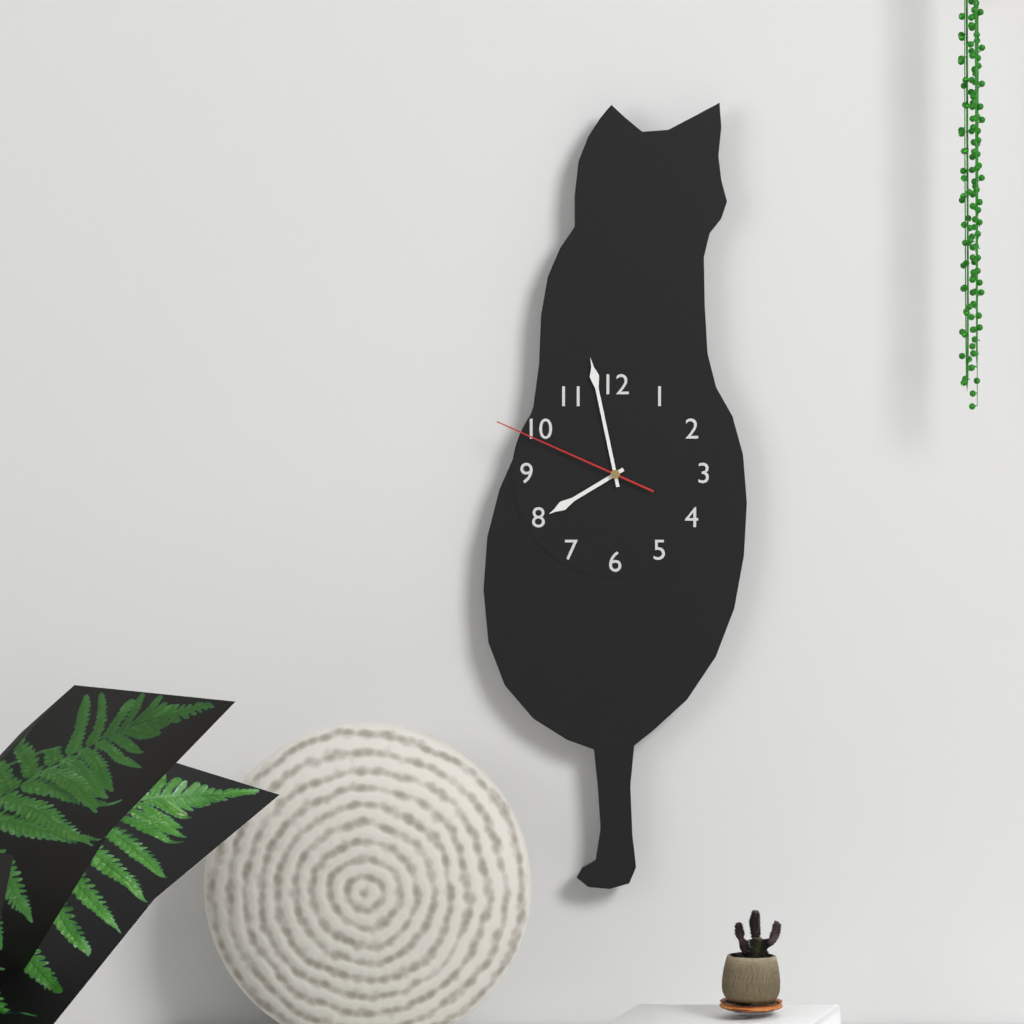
7.58.49
